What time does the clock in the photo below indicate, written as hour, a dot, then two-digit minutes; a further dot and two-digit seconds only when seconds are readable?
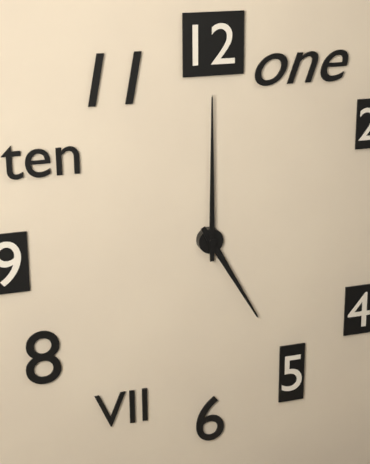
5.00
